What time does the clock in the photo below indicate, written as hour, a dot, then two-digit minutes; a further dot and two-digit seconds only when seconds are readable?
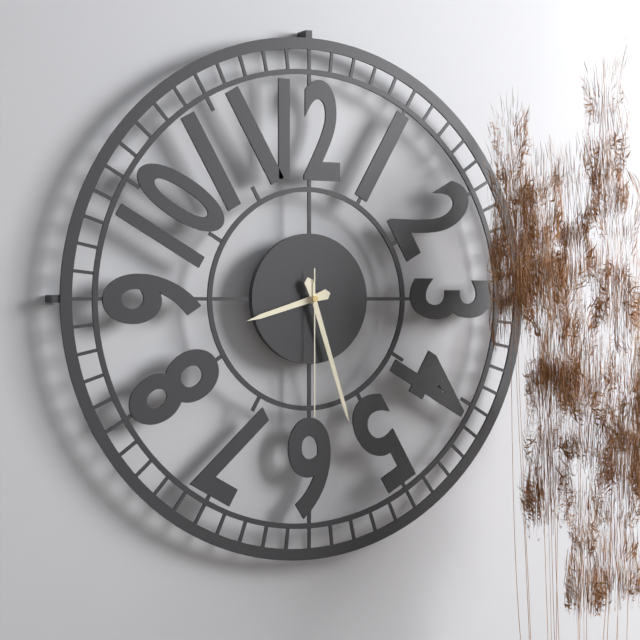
8.27.30
